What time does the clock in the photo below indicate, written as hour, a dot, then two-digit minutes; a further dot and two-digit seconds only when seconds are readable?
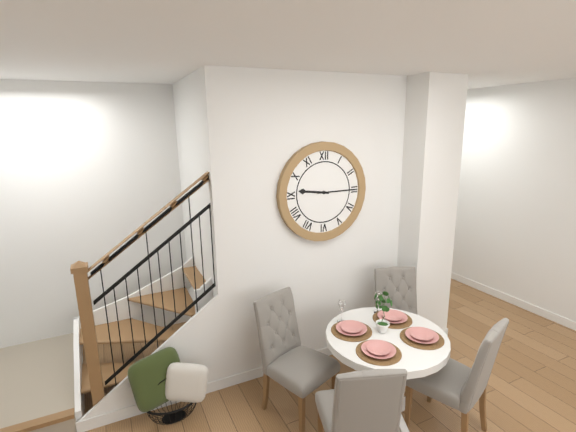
9.15
